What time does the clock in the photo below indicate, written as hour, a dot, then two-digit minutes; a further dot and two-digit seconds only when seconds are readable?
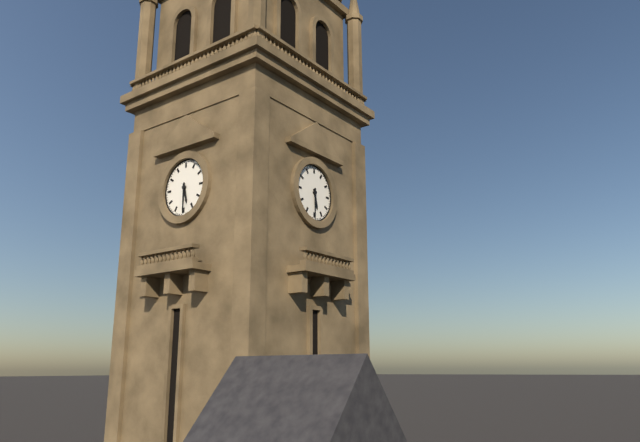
5.30
